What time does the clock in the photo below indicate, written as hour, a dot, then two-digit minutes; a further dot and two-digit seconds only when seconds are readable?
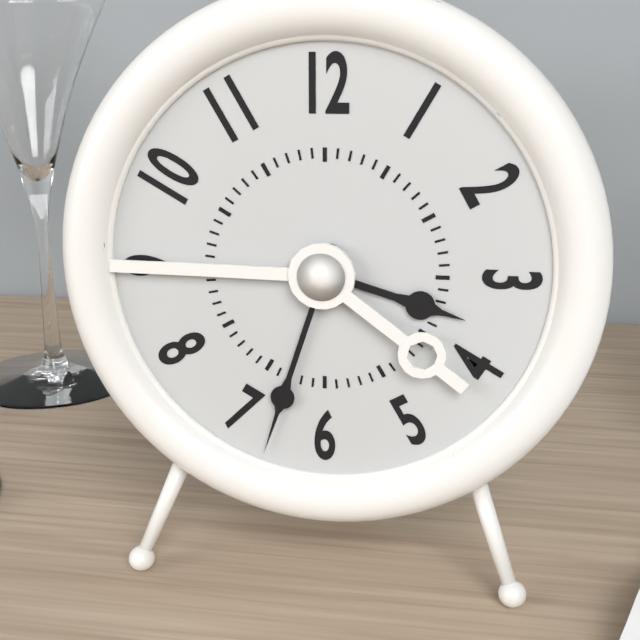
3.33
